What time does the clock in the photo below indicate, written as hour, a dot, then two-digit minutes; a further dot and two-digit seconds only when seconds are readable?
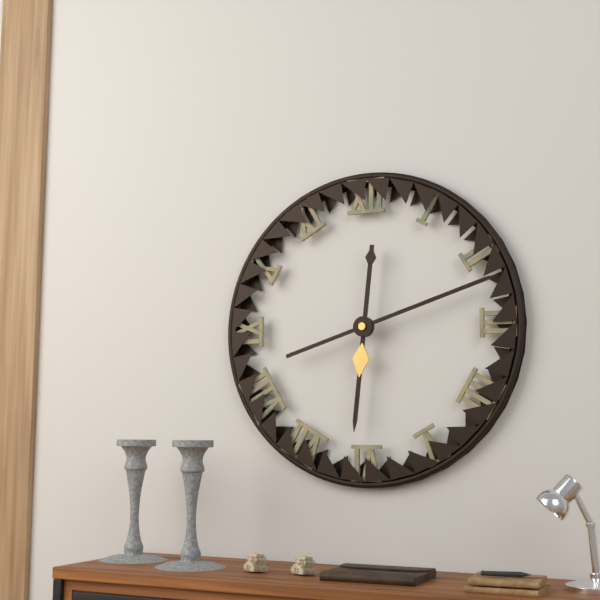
6.12
